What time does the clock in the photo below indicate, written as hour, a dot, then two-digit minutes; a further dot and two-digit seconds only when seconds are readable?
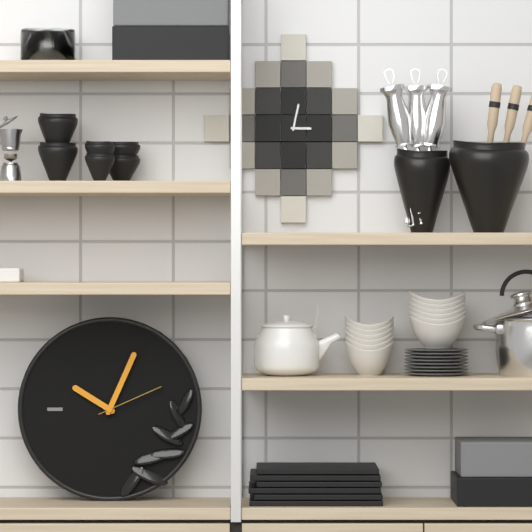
10.04.11
